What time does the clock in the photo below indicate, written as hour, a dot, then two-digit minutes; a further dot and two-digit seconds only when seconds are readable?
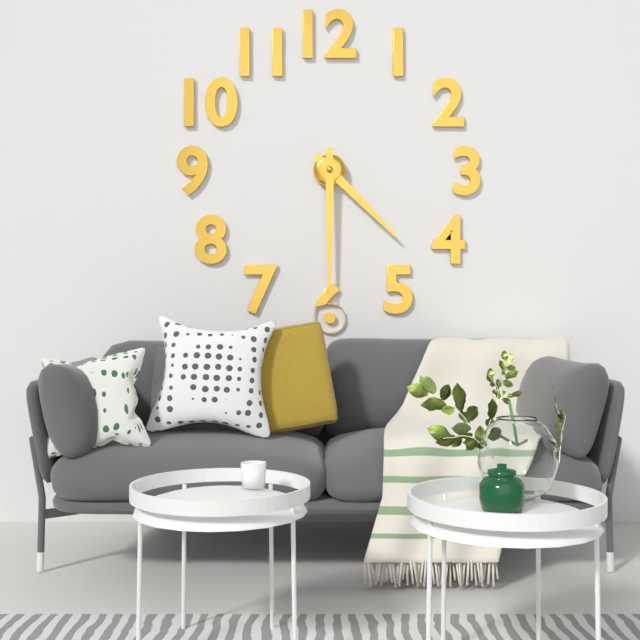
4.30
